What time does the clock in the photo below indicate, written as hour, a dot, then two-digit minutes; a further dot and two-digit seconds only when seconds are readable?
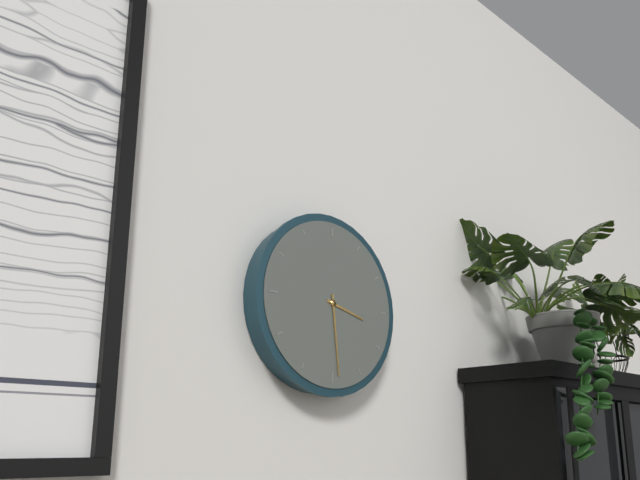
3.29
